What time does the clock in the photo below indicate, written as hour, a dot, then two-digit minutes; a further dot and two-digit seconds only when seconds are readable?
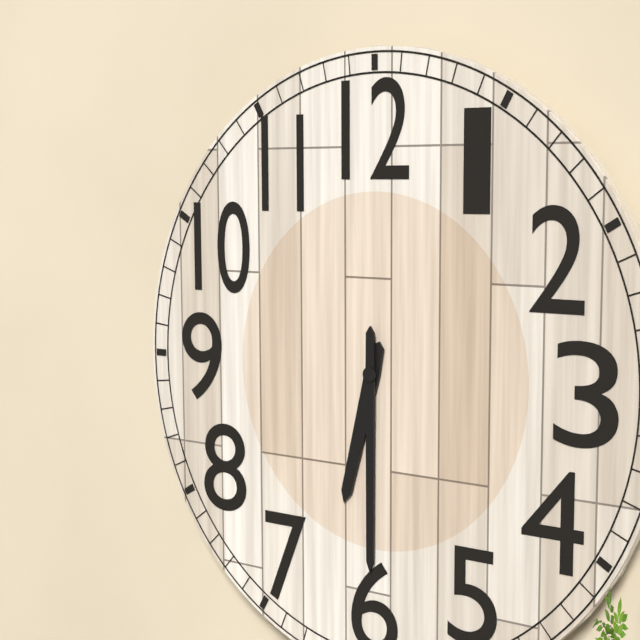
6.30
